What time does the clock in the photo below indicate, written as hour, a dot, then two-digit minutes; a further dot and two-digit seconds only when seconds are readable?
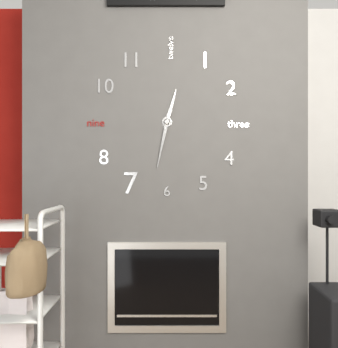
12.32
